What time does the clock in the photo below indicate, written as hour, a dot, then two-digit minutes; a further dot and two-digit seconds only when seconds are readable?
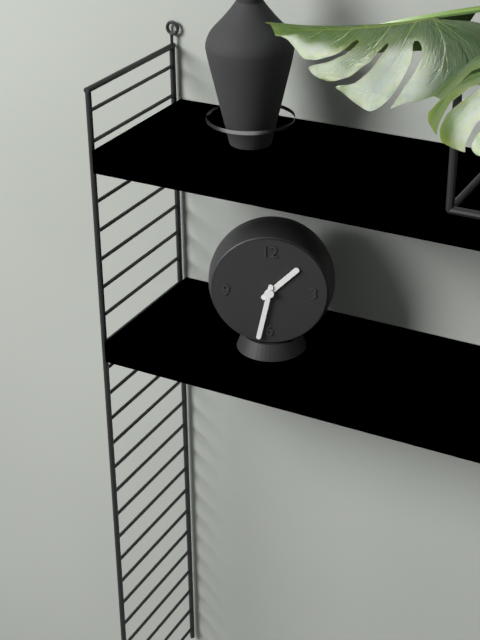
1.32
